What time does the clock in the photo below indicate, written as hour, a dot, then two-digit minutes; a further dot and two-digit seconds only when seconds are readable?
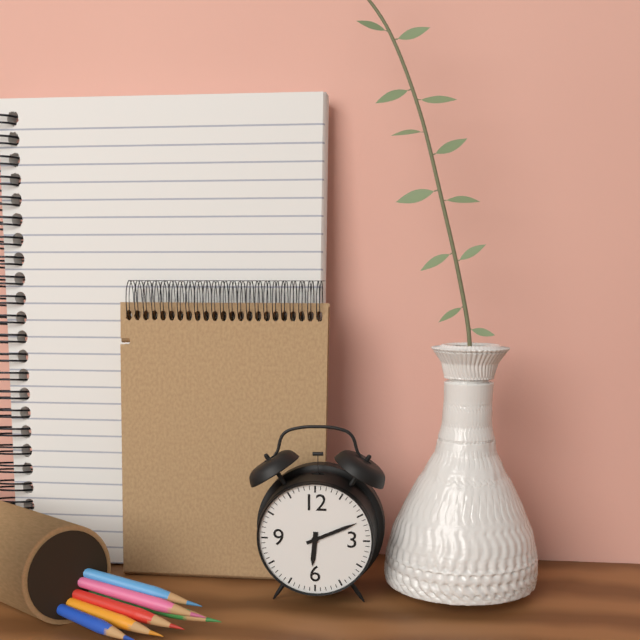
6.11
